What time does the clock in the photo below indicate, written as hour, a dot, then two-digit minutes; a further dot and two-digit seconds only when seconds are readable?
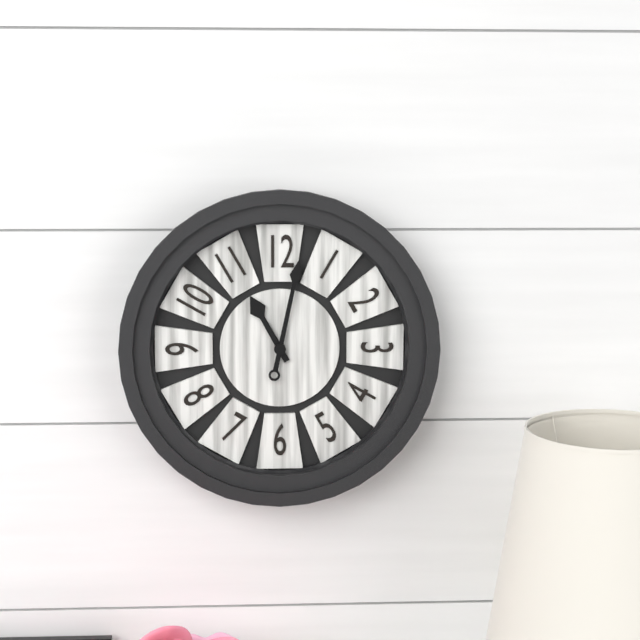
11.02
